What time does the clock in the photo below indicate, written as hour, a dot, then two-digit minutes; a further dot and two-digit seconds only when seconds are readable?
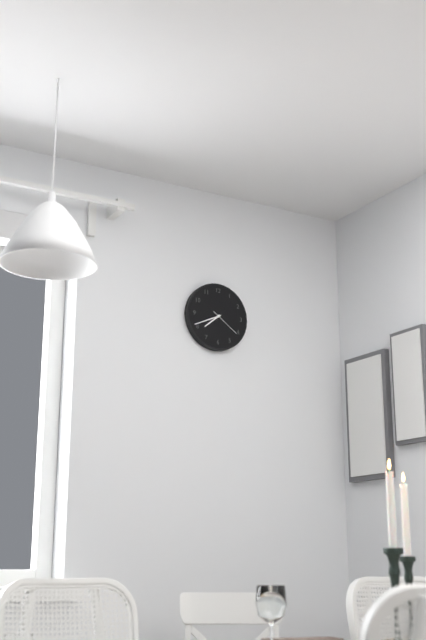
7.41
